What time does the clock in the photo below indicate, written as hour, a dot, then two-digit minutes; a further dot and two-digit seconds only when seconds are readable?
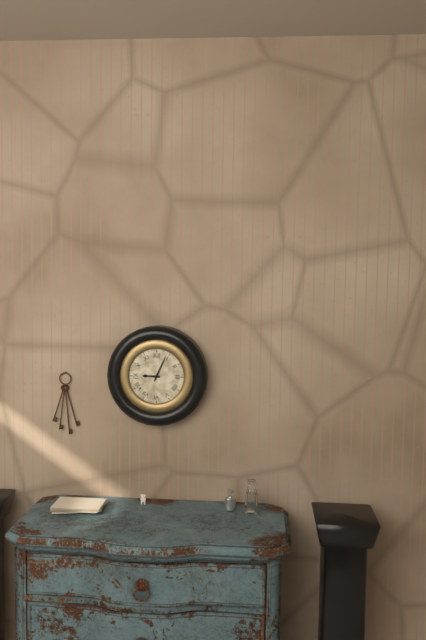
9.04
